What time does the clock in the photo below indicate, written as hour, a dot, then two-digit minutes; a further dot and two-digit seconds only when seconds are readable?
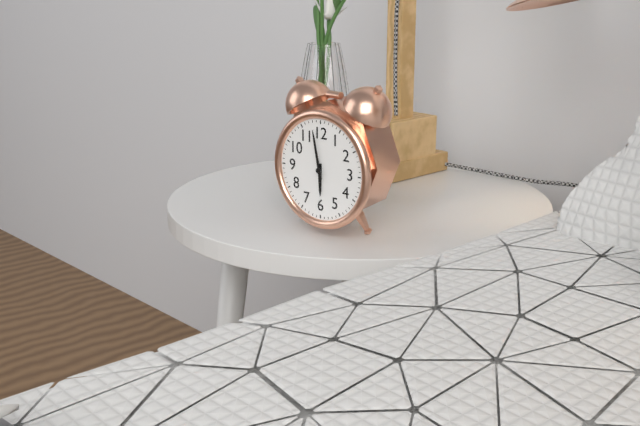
5.58
